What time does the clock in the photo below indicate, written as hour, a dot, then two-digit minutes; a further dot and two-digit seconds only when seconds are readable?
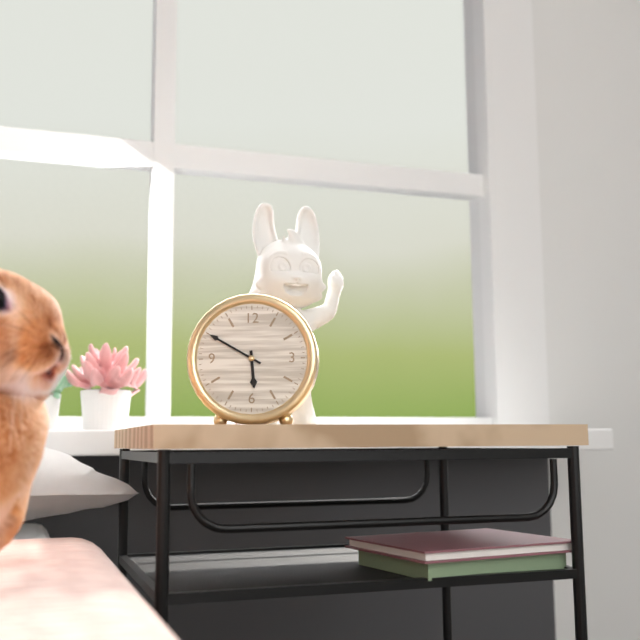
5.50
